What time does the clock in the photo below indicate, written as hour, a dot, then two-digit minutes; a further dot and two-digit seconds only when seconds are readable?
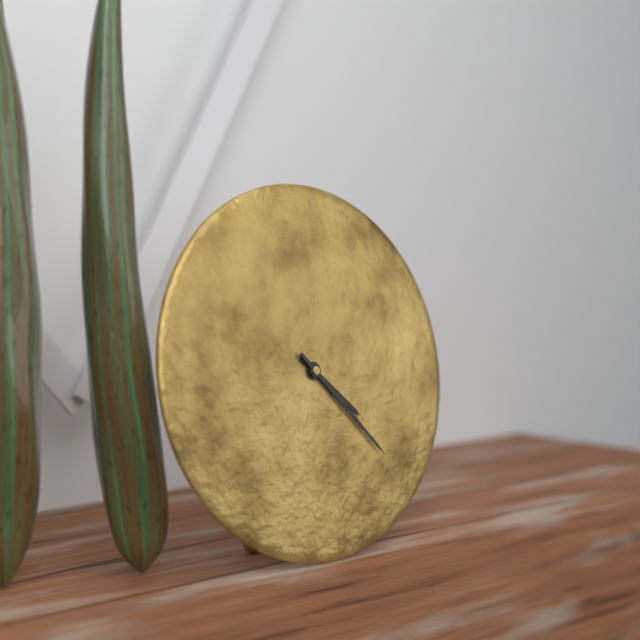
4.23
